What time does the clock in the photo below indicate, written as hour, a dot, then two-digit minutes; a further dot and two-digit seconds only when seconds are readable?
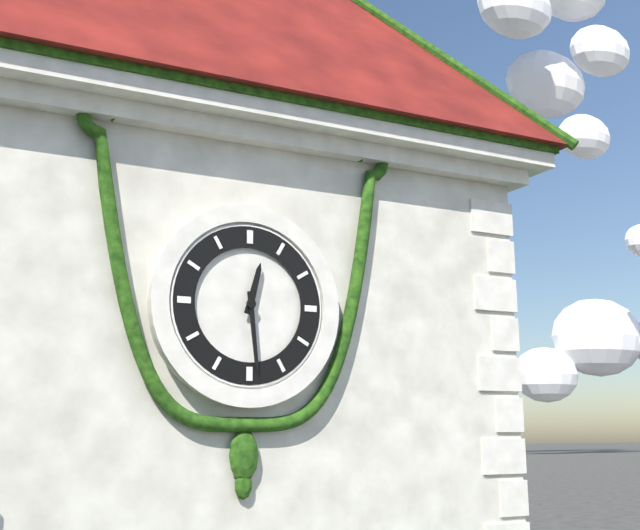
12.29
